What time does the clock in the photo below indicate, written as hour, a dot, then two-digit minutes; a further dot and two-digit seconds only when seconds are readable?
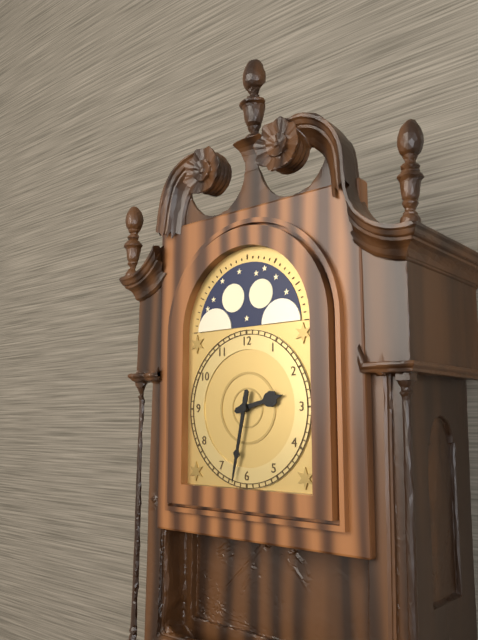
2.32
